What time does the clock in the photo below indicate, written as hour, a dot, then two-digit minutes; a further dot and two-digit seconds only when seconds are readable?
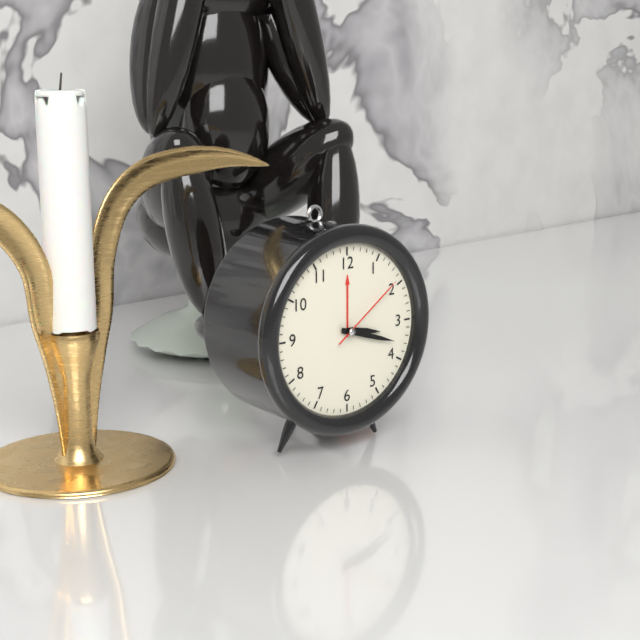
3.18.09
